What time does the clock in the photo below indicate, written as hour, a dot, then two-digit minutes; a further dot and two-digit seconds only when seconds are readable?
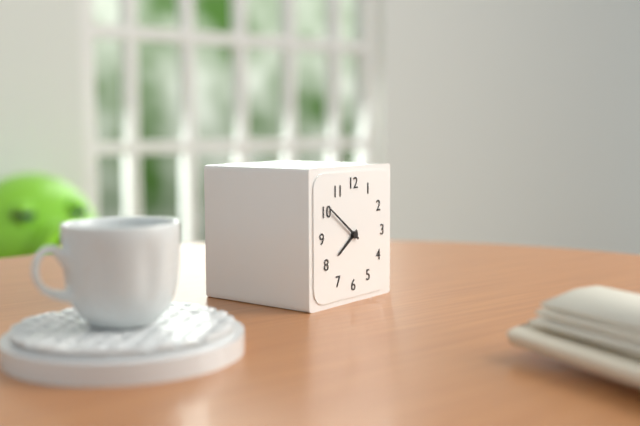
7.51
